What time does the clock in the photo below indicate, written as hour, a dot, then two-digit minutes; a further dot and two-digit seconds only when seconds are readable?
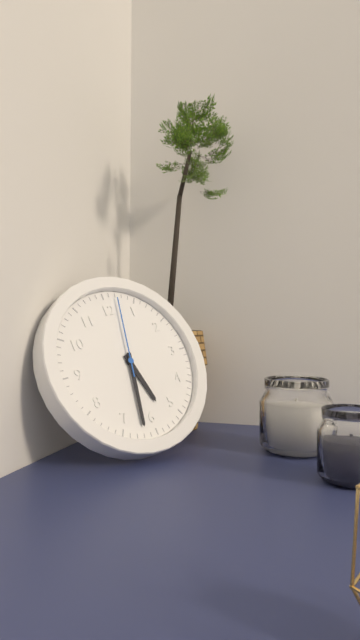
5.32.02
